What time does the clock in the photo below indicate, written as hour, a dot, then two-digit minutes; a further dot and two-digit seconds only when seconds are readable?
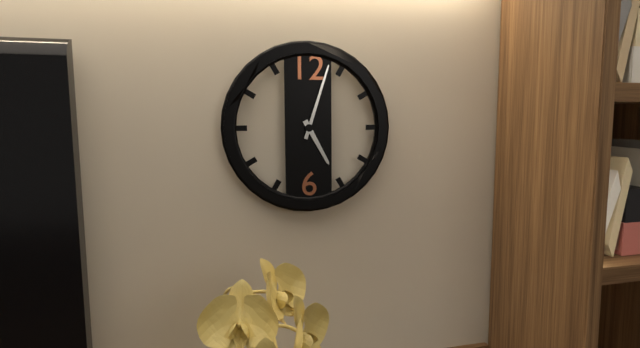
5.03
